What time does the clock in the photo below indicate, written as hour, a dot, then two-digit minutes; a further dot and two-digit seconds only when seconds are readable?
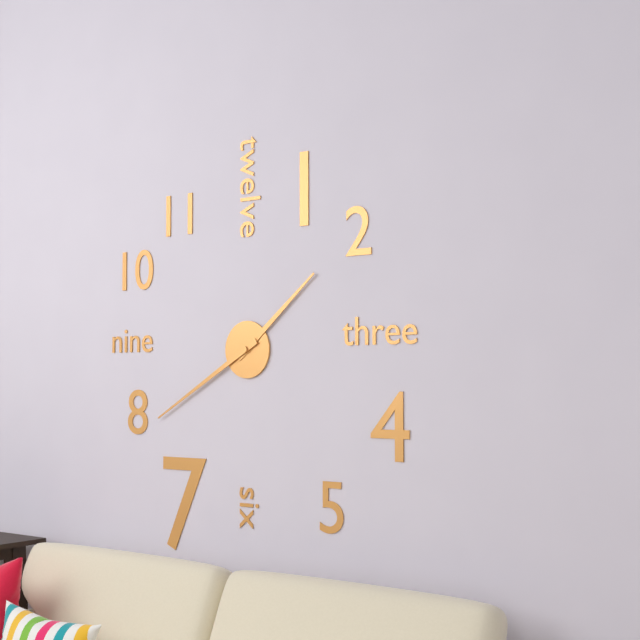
1.40
